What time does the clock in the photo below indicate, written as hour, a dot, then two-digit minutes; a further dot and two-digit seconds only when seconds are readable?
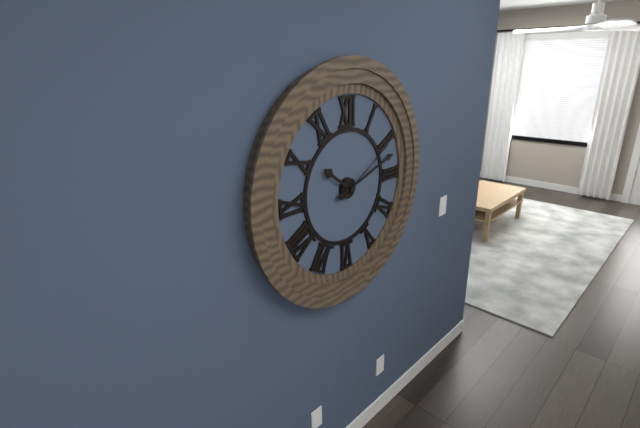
10.12.10
